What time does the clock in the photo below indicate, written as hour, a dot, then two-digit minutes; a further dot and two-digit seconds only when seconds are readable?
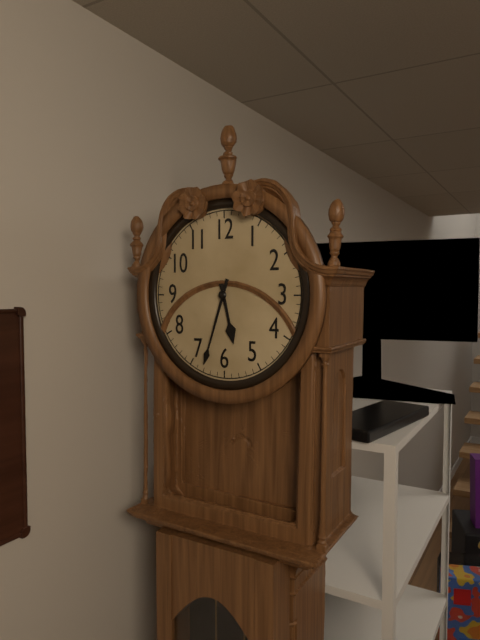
5.33
